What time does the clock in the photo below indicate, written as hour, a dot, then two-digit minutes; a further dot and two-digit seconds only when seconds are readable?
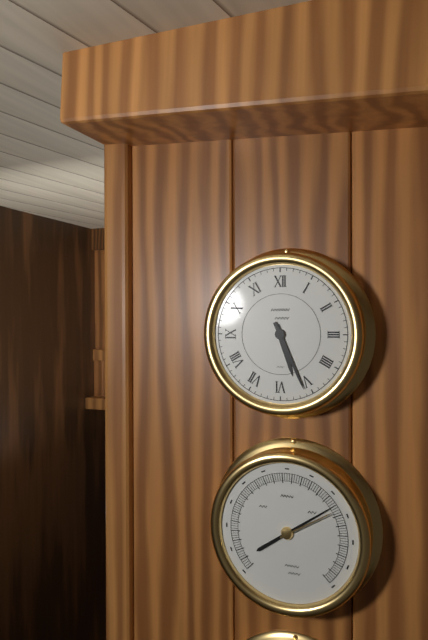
5.26
